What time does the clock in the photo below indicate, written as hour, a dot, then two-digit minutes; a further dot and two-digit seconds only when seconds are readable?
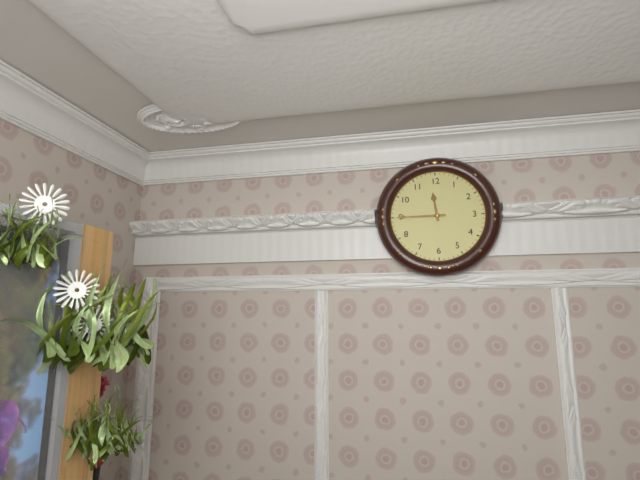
11.45
